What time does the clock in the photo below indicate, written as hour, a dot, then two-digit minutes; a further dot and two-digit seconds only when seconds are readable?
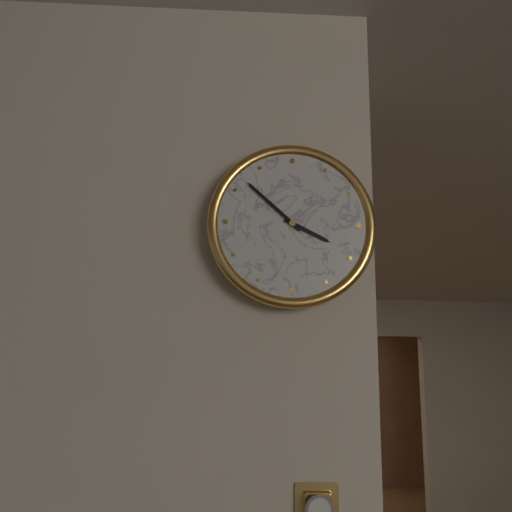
3.52
